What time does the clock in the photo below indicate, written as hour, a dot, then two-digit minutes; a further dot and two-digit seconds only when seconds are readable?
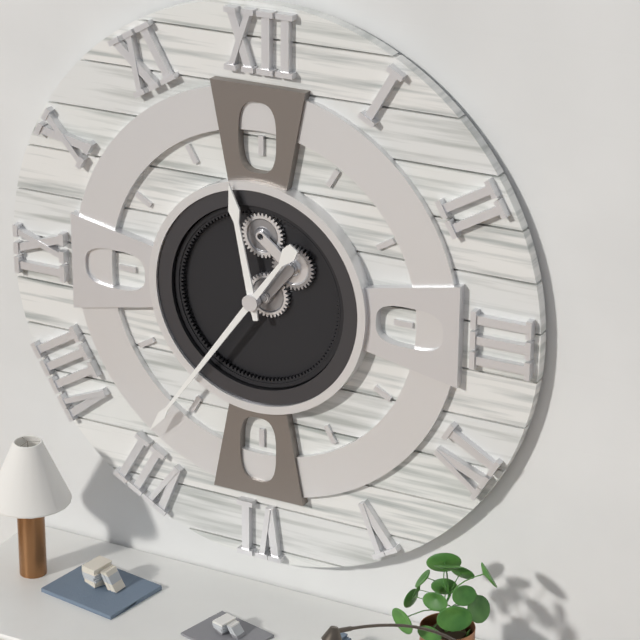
11.36
